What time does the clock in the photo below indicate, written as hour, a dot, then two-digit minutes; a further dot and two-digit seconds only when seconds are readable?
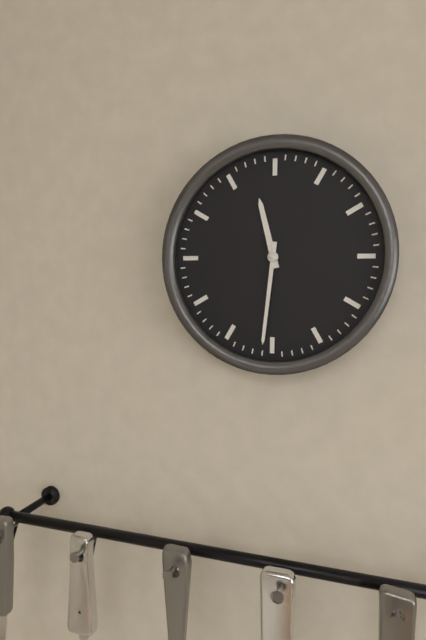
11.31
